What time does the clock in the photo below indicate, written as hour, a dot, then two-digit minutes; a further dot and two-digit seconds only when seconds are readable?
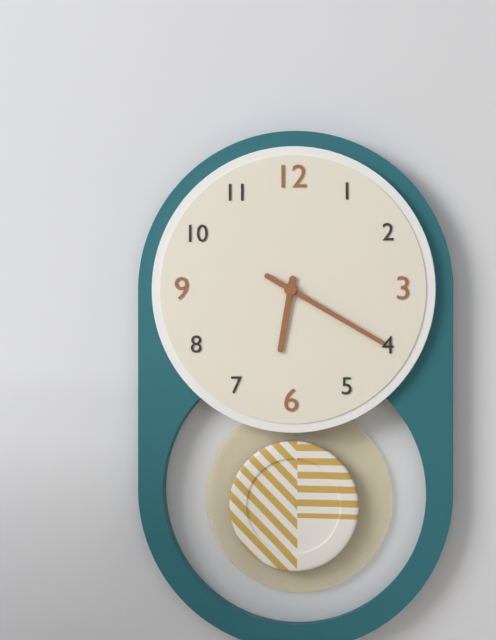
6.20
